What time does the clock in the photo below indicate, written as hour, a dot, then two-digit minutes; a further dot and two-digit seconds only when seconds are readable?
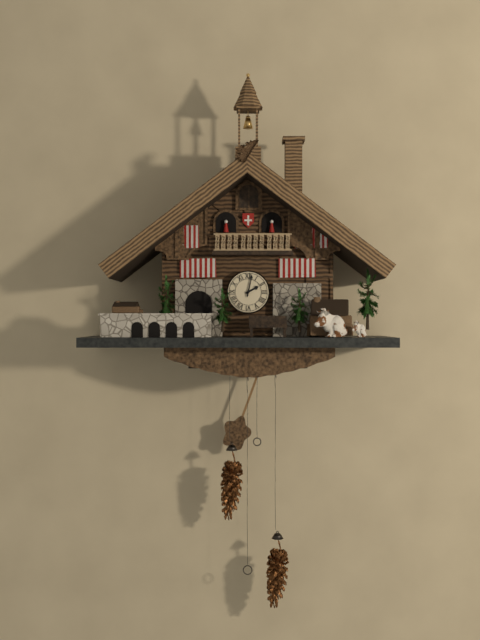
2.02
